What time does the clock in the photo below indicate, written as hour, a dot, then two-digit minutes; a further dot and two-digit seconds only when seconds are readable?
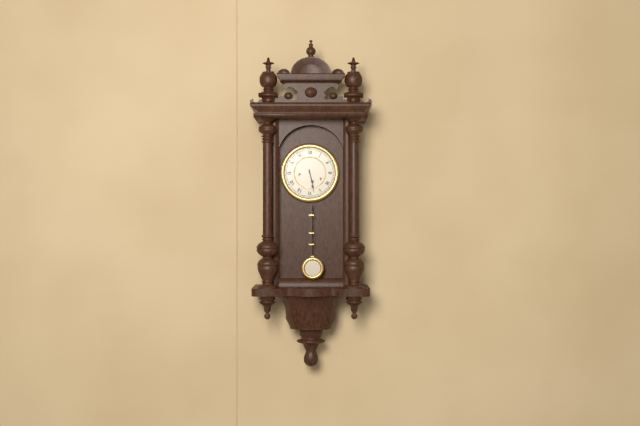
5.28
